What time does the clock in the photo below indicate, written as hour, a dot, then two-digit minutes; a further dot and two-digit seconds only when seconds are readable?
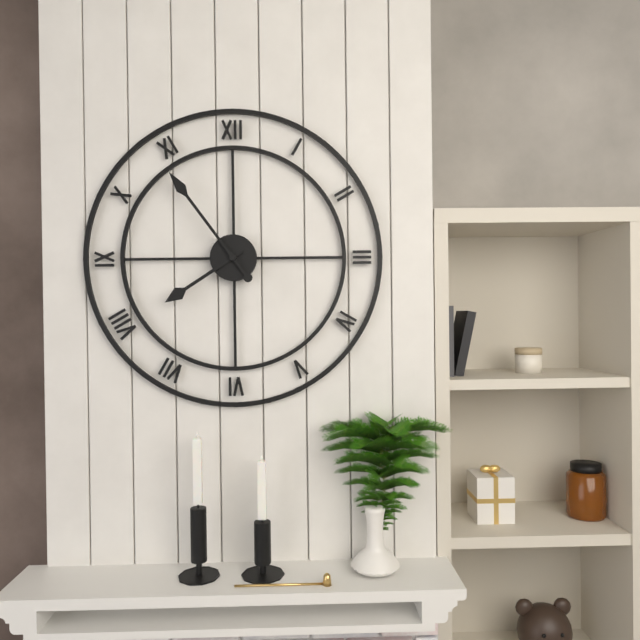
7.54
